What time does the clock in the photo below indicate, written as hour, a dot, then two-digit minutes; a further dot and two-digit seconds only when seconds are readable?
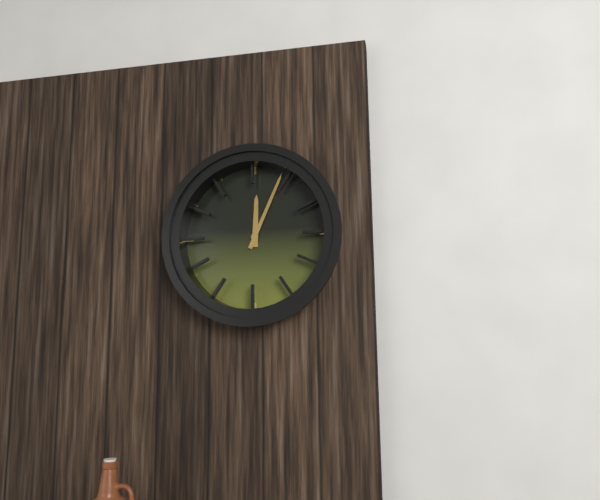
12.04
